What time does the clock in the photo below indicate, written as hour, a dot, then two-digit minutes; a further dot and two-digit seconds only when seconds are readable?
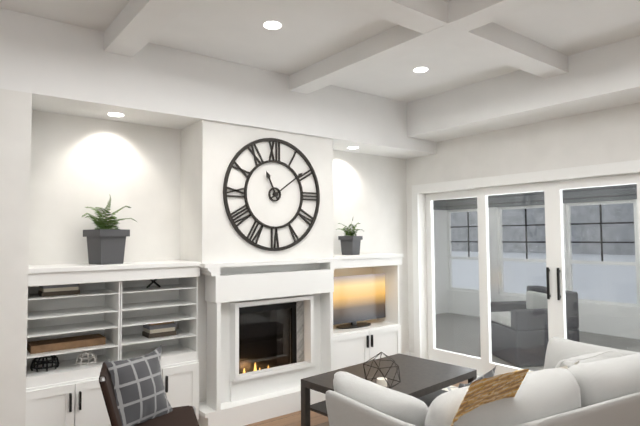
11.09
